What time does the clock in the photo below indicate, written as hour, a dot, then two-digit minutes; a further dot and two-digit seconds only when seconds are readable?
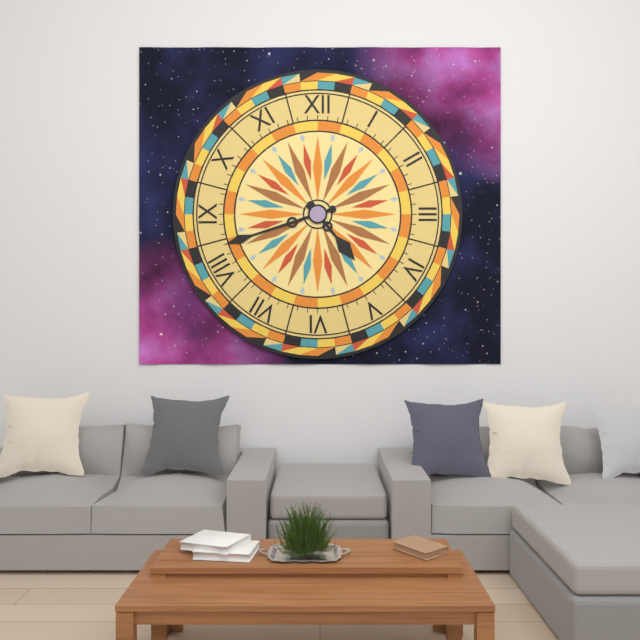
4.42
